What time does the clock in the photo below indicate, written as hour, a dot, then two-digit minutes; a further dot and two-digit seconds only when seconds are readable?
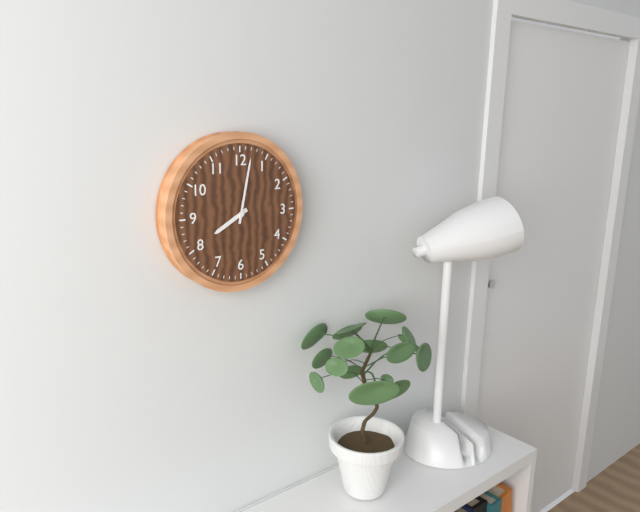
8.02
